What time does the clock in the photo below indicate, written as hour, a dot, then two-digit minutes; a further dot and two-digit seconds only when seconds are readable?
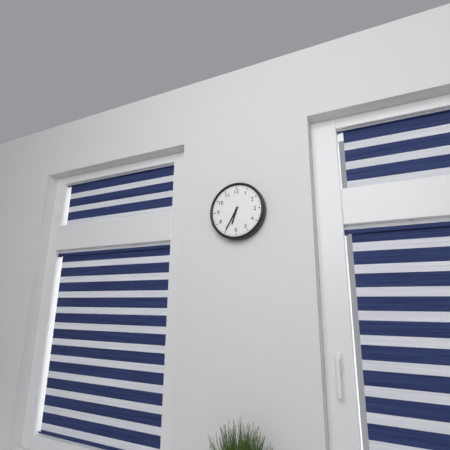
6.35
